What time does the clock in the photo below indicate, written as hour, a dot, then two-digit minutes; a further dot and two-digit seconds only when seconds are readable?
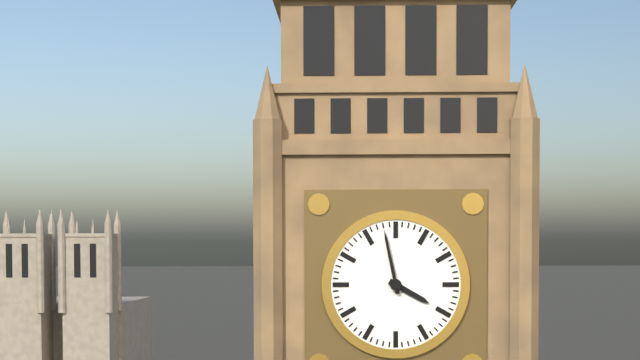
3.58
